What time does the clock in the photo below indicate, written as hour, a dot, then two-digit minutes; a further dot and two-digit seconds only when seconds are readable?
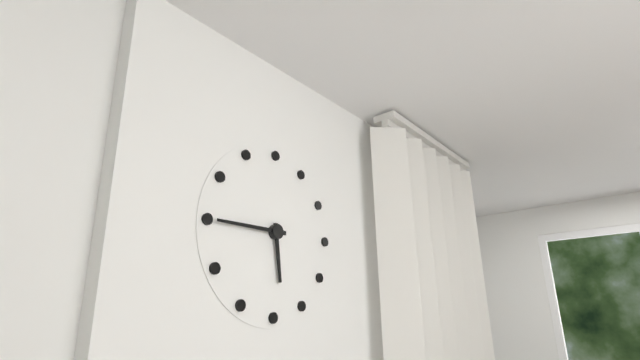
5.45
